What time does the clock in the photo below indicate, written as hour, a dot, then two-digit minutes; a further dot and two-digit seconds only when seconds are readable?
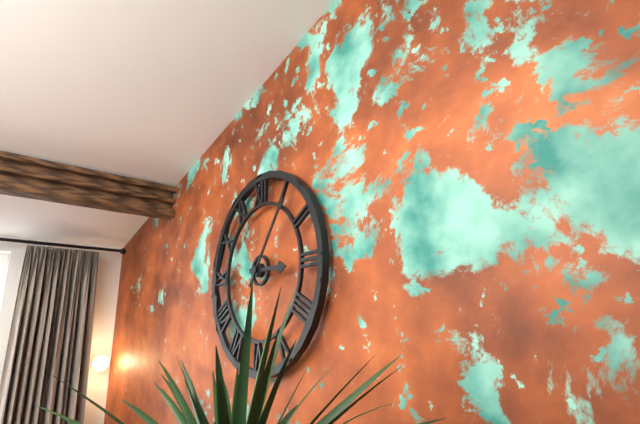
3.06
